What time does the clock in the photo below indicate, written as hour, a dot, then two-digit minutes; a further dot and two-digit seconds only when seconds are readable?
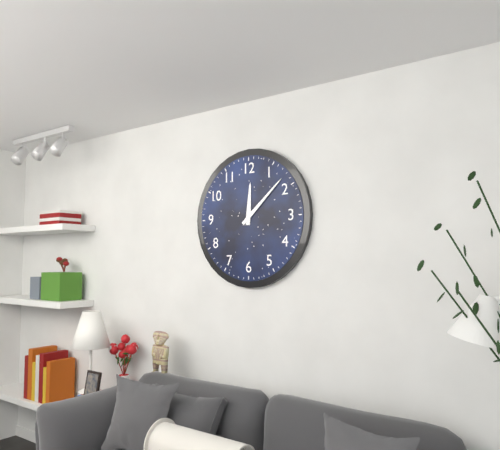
12.08
